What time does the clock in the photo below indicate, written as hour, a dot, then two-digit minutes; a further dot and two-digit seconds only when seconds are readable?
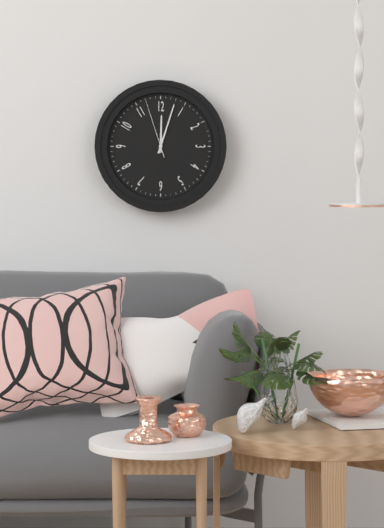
12.03.57
